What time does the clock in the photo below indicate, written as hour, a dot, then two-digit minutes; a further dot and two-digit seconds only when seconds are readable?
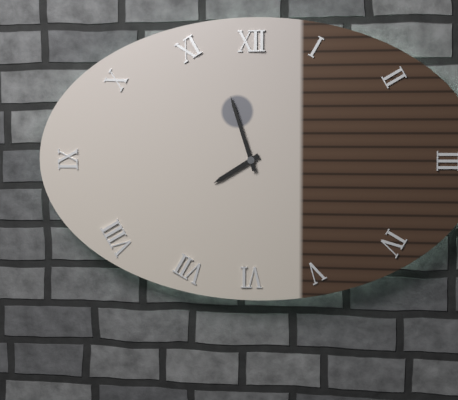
7.57
